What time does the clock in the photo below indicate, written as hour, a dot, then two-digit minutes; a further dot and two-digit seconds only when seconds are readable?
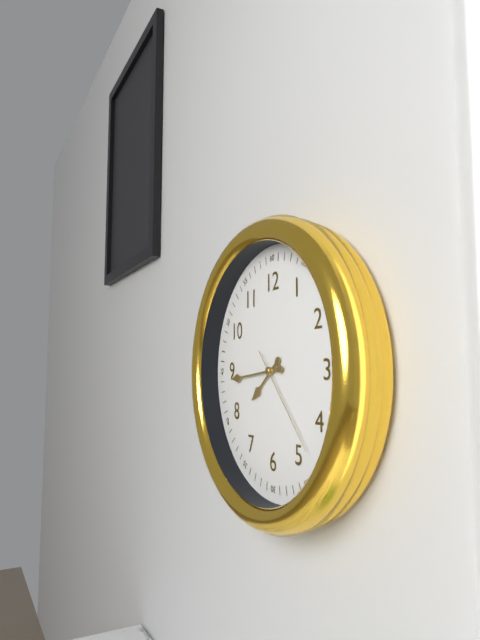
7.44.23
